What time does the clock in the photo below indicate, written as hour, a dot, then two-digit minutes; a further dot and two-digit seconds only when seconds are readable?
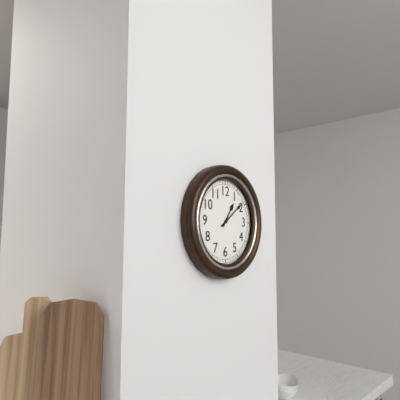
1.09
